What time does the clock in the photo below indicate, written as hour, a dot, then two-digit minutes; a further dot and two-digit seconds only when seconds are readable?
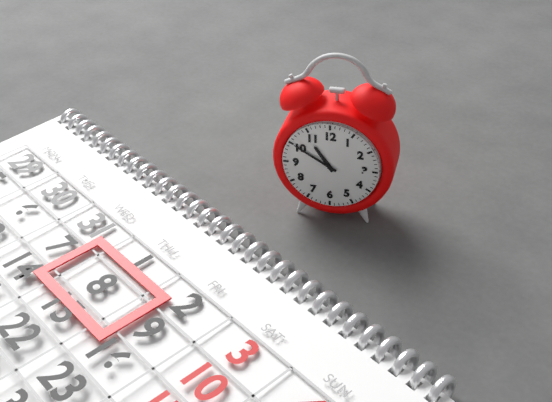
10.50
